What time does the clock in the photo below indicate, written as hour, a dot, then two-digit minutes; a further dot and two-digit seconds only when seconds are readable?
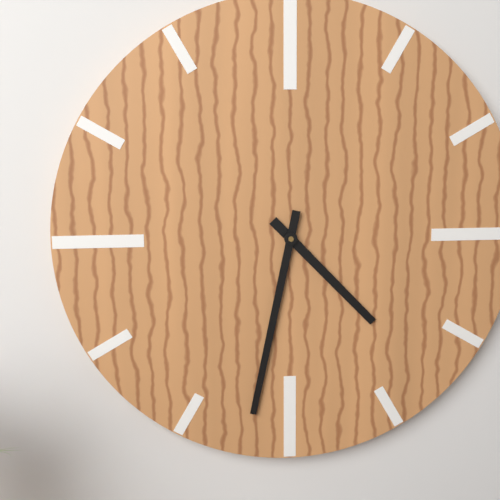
4.32
